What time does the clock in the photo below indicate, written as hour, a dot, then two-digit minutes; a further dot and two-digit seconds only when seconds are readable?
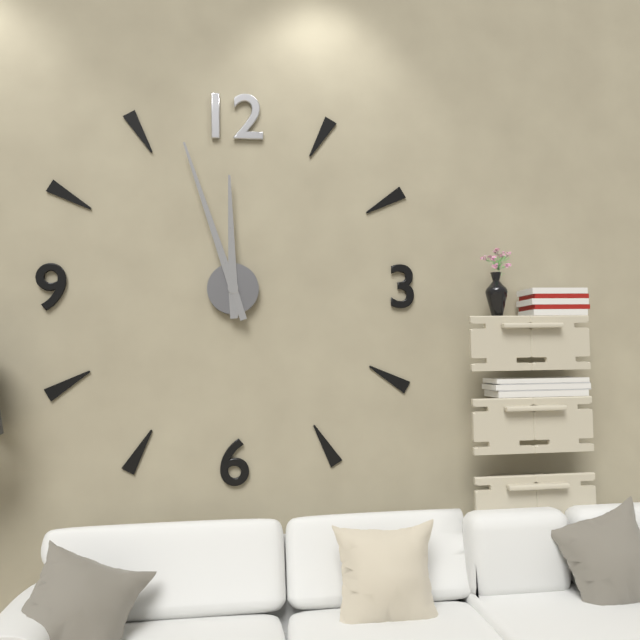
11.57
